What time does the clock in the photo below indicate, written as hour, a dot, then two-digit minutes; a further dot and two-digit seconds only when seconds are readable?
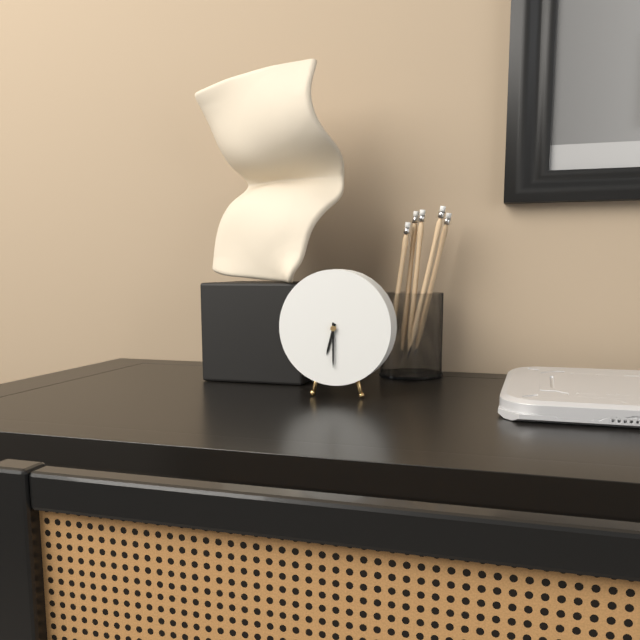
6.30
